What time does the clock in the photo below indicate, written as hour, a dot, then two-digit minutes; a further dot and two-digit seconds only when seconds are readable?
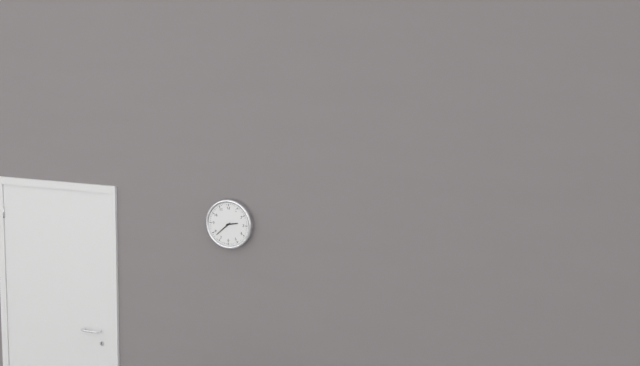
2.38
